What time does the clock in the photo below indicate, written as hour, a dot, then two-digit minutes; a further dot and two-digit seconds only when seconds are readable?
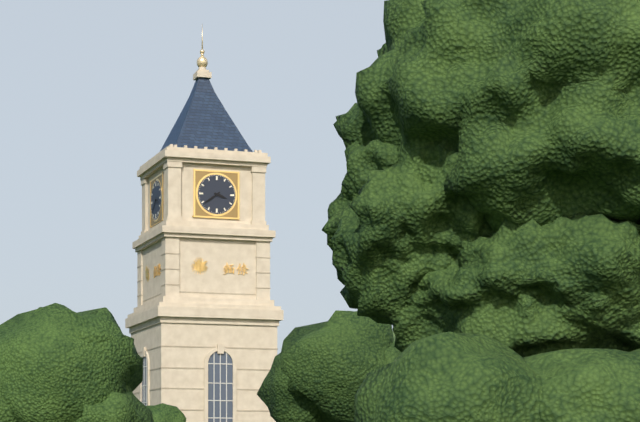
3.39
